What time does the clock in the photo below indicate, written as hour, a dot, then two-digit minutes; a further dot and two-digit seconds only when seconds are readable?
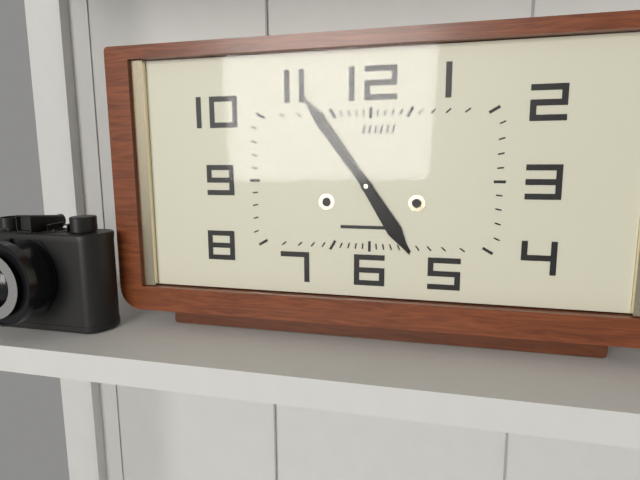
4.54
